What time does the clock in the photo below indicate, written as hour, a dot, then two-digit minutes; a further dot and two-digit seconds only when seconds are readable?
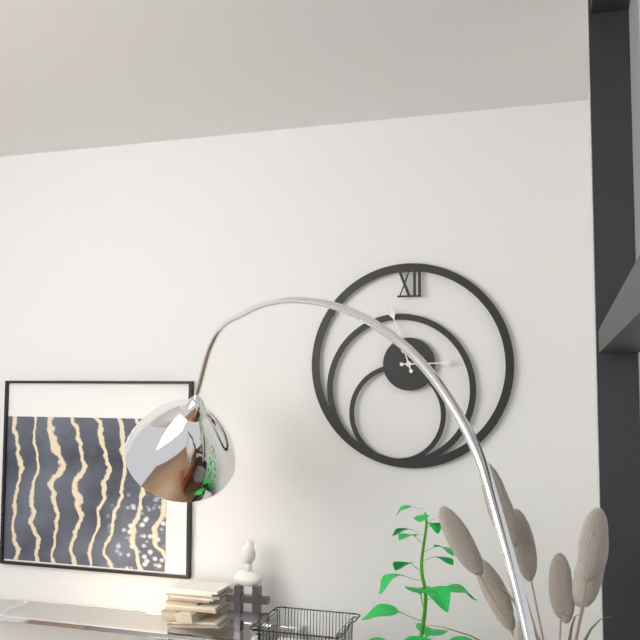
2.57
